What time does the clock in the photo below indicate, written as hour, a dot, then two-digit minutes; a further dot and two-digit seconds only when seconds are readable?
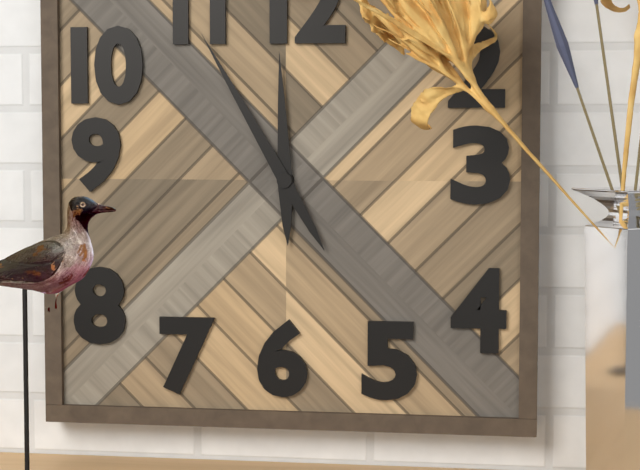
11.55
